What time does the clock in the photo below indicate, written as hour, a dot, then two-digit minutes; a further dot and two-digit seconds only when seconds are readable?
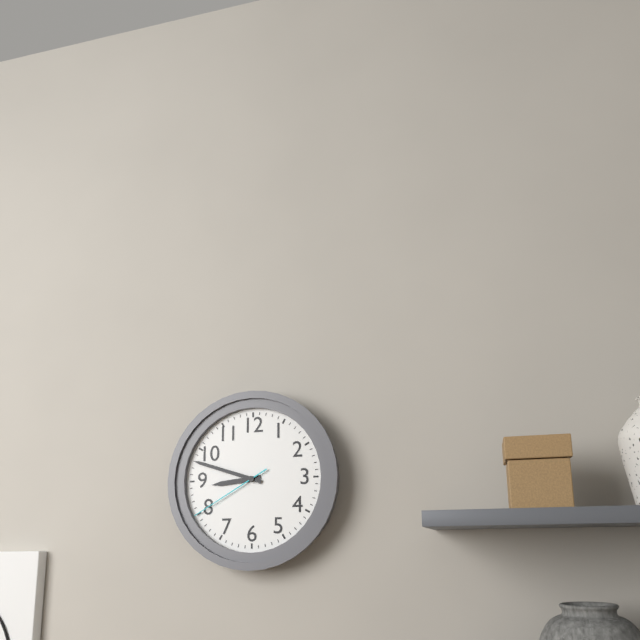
8.48.40
